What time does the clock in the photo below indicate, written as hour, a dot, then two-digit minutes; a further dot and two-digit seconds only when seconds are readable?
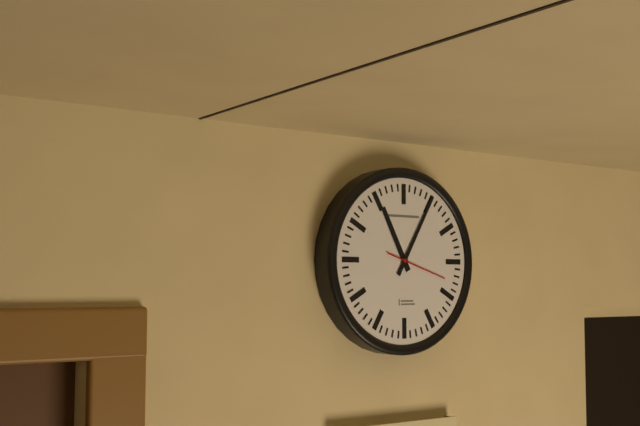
11.05.18
